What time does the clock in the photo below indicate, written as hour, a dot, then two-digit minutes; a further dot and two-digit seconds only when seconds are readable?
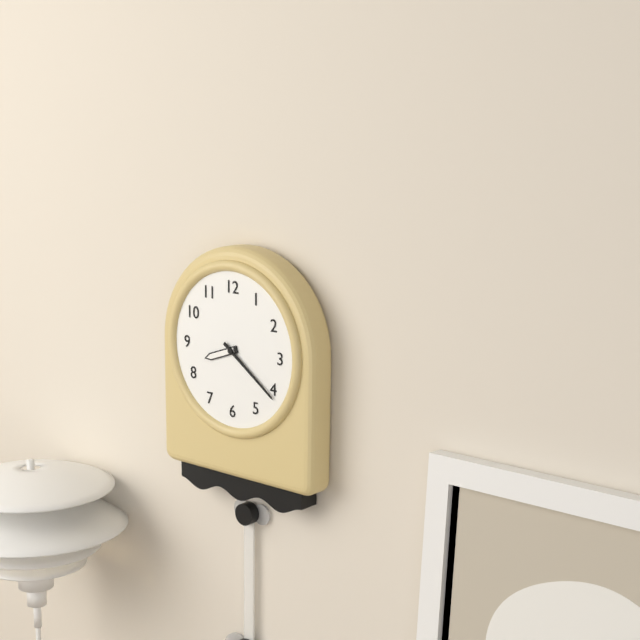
8.21
